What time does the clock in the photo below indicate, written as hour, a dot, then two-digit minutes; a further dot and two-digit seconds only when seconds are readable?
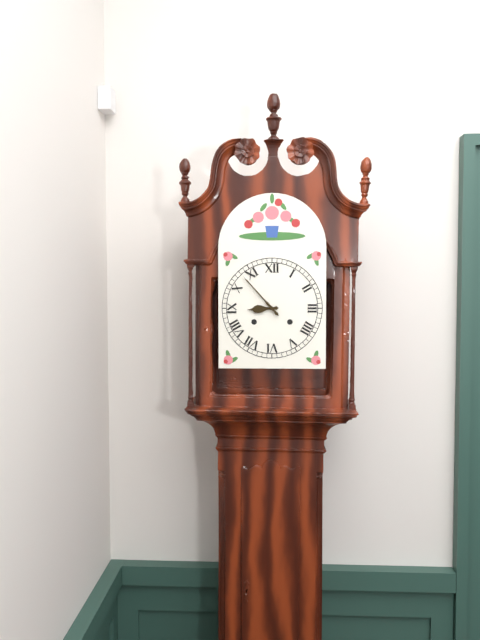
8.53
